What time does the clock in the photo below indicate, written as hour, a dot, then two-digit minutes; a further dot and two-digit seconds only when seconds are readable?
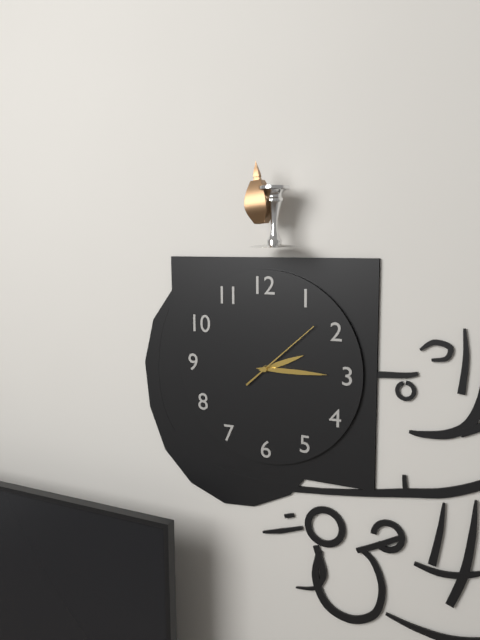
2.15.08
